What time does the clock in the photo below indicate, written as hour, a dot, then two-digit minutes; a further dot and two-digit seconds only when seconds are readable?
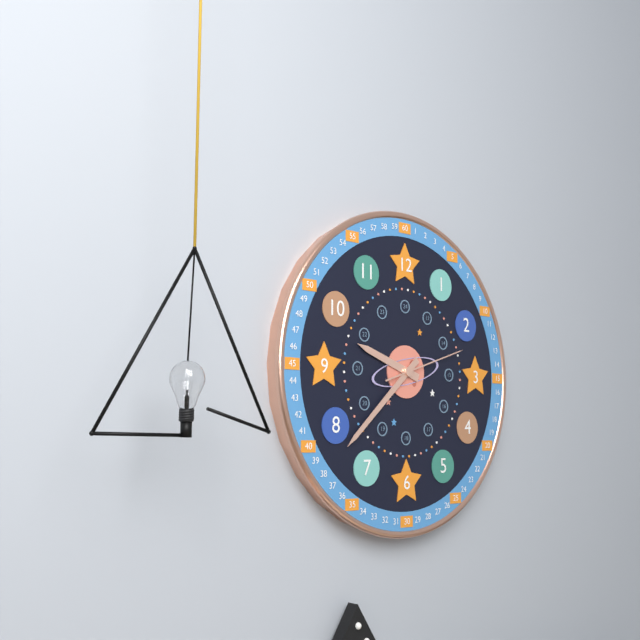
9.38.12
